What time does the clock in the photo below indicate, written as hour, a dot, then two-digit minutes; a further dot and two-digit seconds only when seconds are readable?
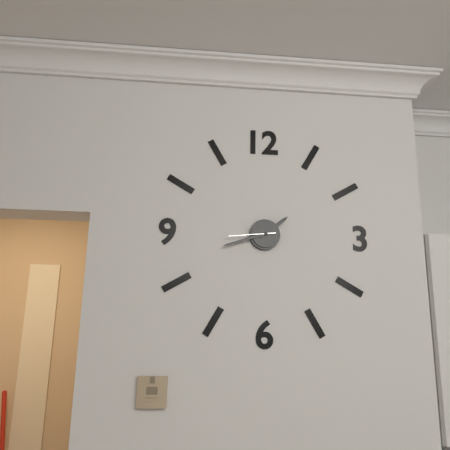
1.42
